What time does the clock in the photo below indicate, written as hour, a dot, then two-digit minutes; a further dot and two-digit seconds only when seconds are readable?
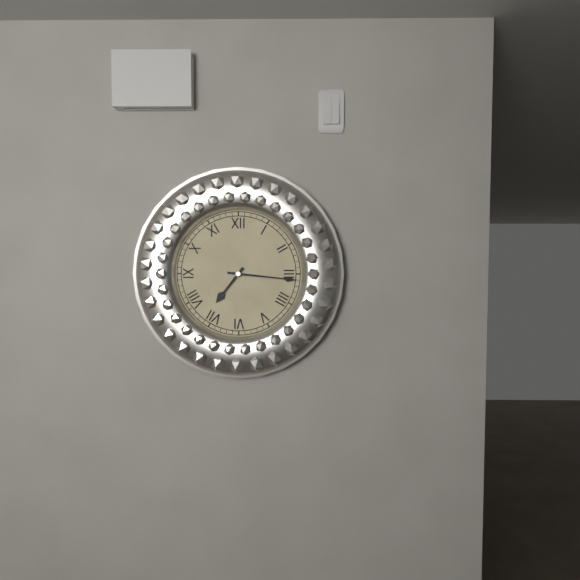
7.16
